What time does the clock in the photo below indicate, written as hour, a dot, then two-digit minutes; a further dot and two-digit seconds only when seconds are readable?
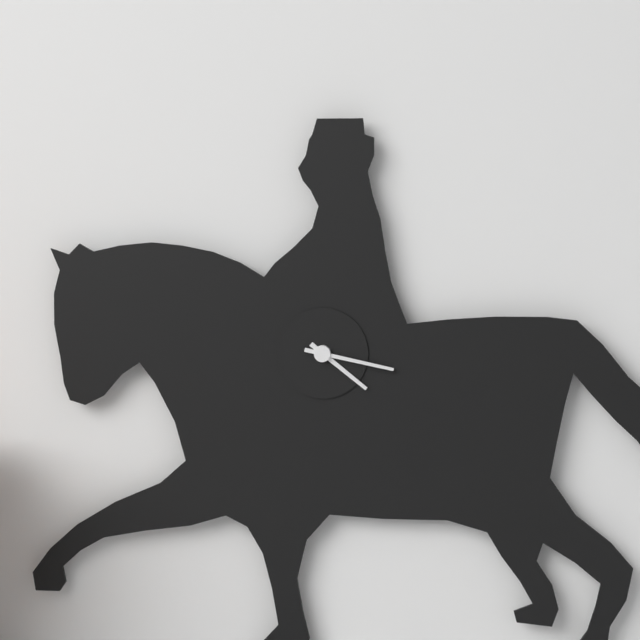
4.17
